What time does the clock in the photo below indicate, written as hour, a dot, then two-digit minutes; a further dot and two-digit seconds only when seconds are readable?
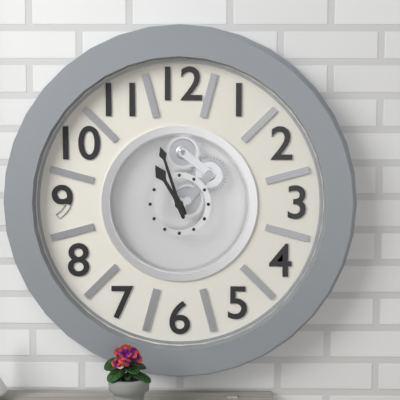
10.57
